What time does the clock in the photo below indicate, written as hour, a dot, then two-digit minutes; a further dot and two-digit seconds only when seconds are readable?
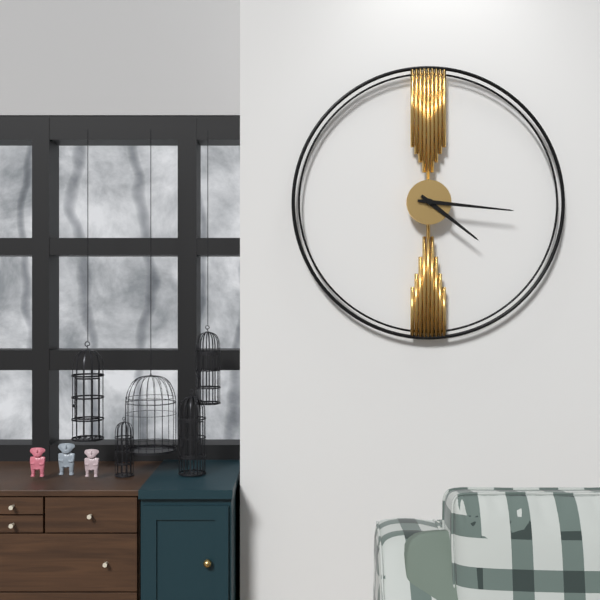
4.16
